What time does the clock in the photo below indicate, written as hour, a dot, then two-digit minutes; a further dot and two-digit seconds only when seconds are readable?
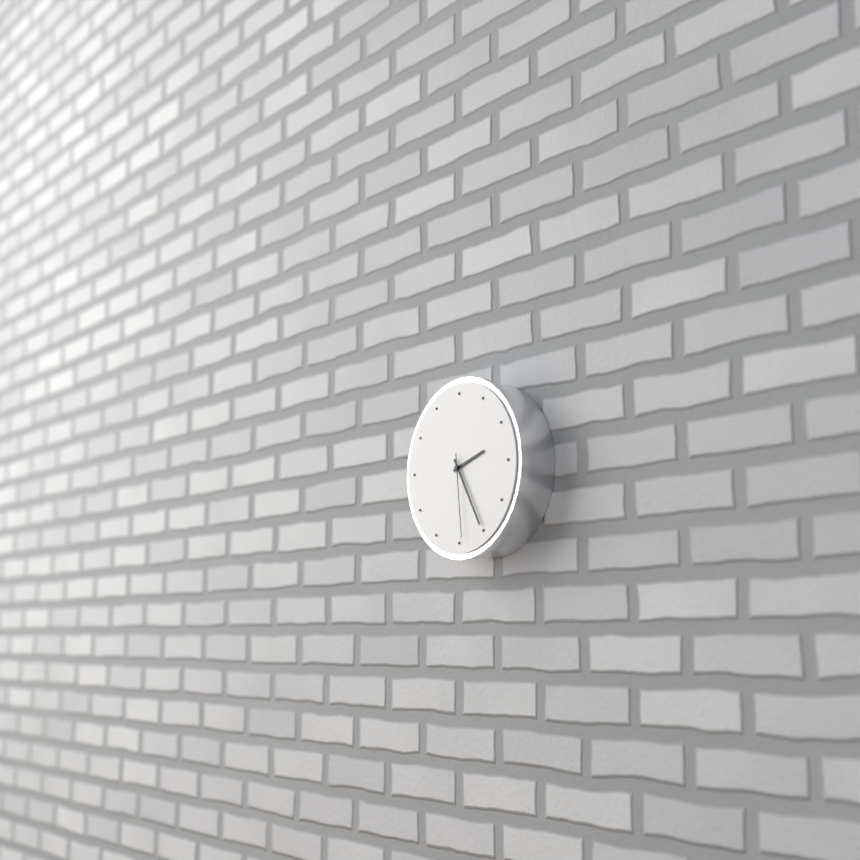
2.25.29
